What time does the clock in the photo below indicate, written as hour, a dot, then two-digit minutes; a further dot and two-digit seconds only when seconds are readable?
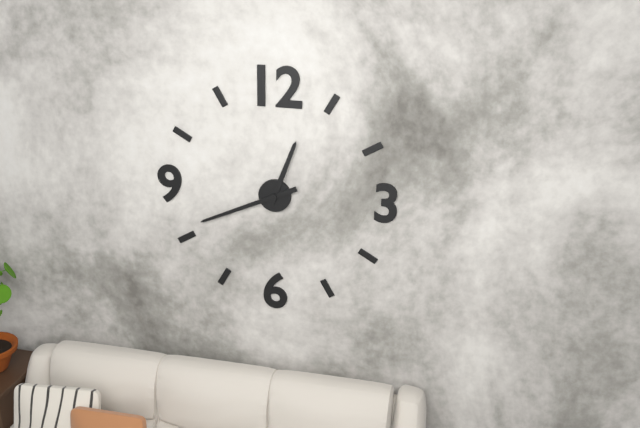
12.41
